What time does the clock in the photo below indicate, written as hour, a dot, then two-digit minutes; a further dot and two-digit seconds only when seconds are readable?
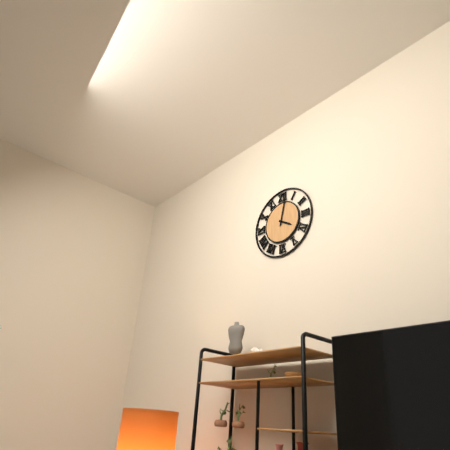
4.02
